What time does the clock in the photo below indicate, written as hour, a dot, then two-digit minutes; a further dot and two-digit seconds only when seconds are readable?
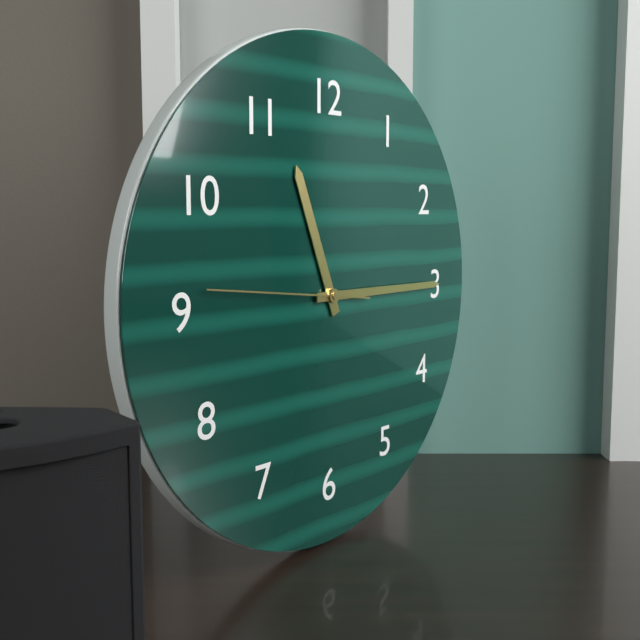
11.15.46
